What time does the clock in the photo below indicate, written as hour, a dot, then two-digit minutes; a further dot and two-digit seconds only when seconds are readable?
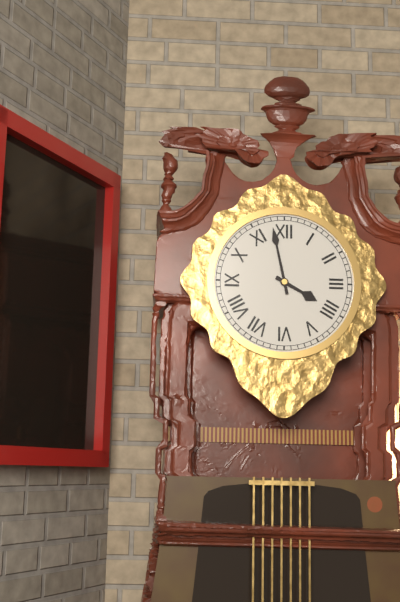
3.58
